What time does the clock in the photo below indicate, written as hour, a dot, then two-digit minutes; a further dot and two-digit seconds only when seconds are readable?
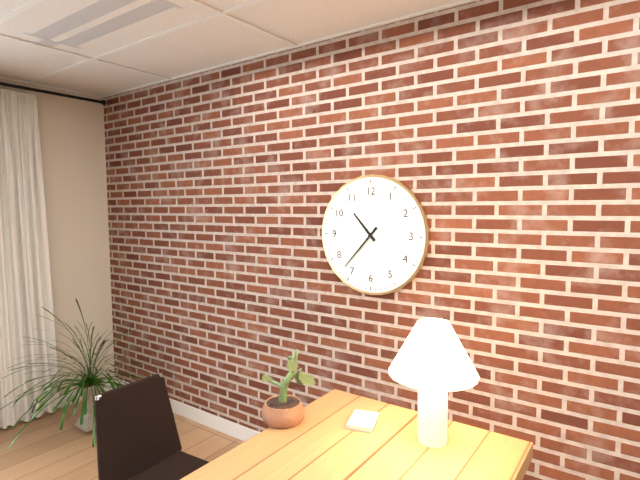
10.37
